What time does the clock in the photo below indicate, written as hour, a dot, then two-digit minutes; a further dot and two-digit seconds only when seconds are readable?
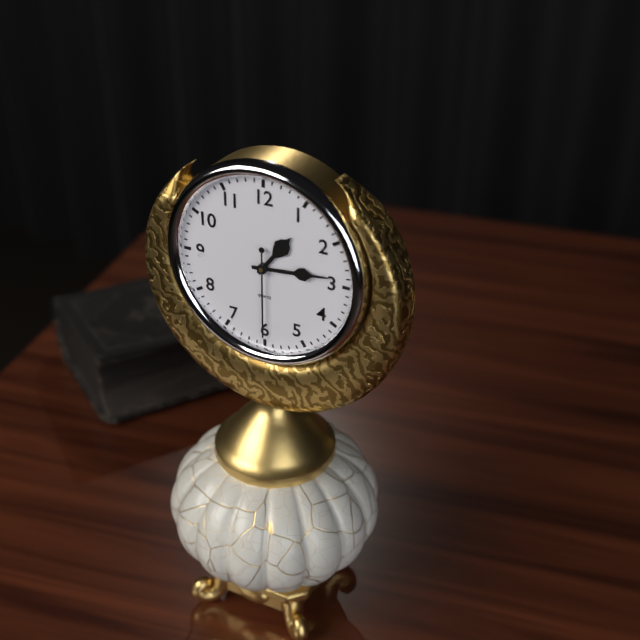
1.14.30
